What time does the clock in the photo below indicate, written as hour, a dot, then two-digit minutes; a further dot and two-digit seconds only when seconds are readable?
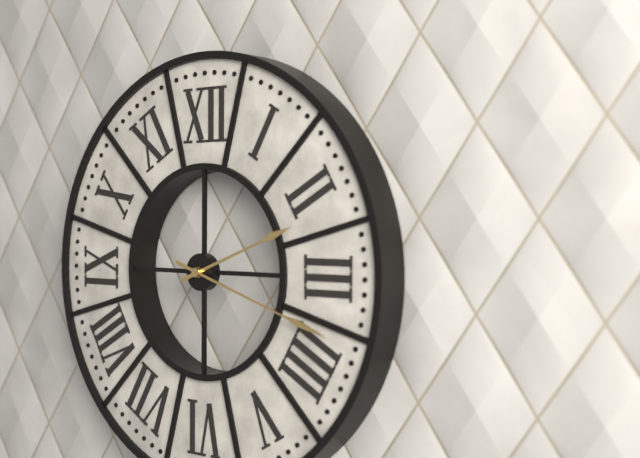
2.18
